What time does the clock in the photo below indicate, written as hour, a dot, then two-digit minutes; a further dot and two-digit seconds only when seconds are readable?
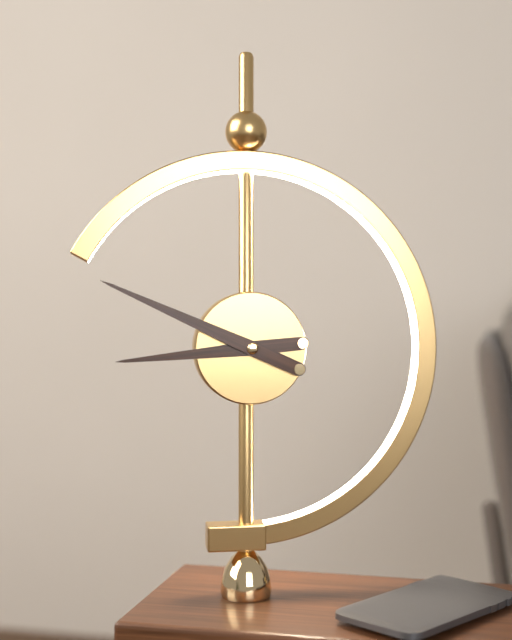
8.49
